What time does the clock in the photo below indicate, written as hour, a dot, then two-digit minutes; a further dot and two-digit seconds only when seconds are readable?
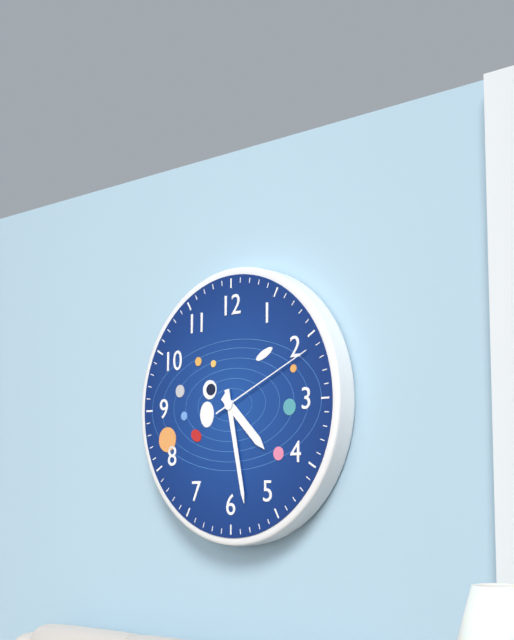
4.28.11
